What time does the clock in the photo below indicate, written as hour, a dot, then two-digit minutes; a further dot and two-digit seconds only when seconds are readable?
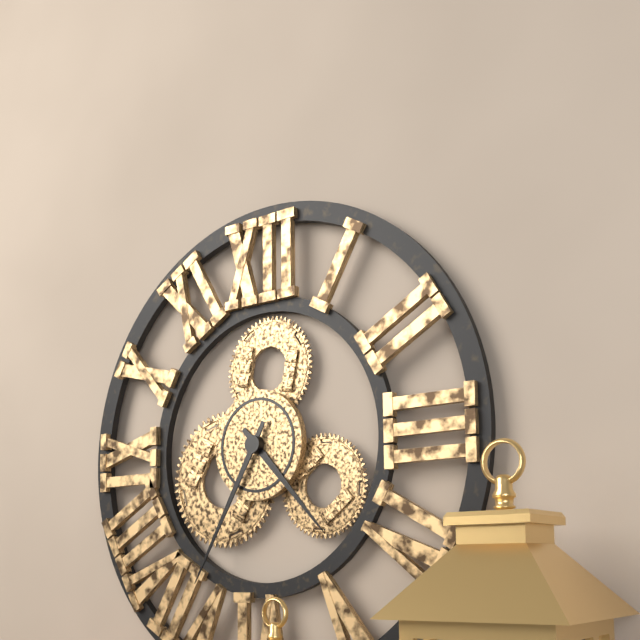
4.35
